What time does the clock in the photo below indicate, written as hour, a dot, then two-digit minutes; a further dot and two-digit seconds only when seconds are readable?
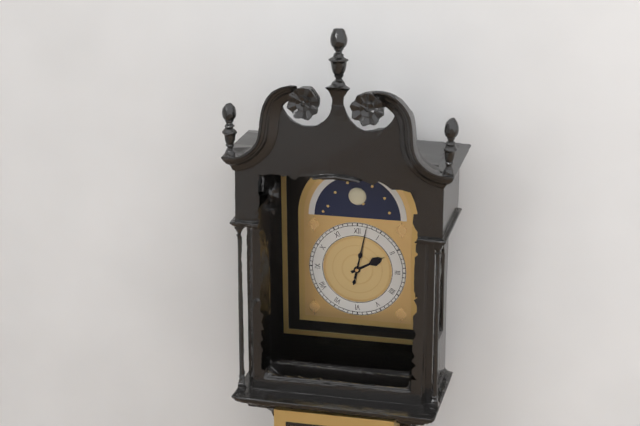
2.02
